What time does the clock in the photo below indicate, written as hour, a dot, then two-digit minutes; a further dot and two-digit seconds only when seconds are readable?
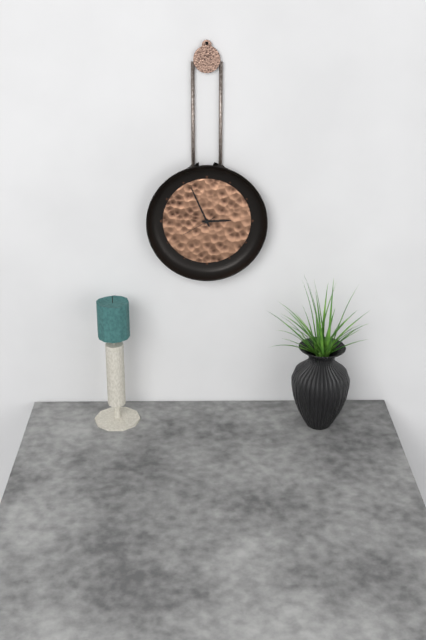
2.56
